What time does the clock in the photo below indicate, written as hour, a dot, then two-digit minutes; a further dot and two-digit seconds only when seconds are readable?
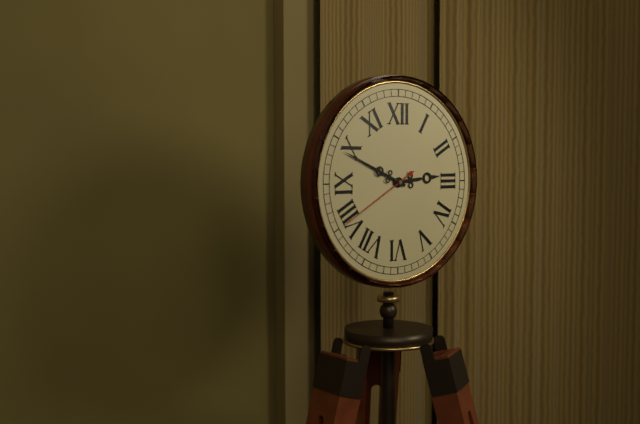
2.49.40
